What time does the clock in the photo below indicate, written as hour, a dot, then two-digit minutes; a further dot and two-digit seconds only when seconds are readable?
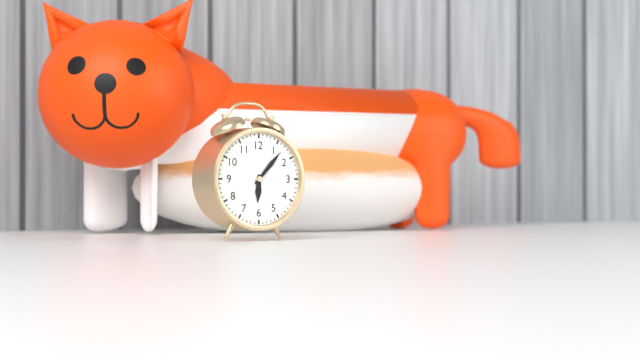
6.07
